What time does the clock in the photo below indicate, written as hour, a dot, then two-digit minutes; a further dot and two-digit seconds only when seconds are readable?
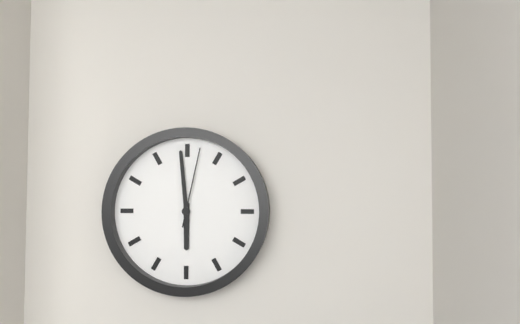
5.59.02
